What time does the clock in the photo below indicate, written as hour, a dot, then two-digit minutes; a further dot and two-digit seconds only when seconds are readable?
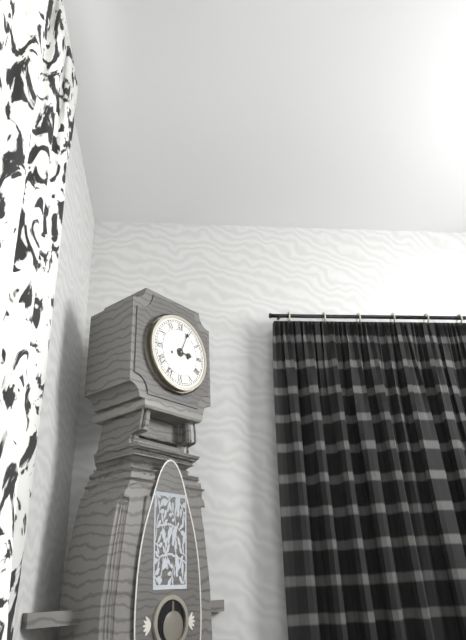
3.04
